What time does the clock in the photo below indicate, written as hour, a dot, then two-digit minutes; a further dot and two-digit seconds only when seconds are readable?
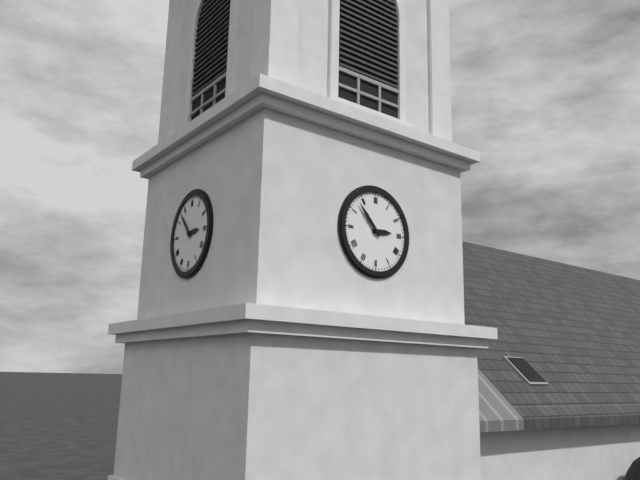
2.53
